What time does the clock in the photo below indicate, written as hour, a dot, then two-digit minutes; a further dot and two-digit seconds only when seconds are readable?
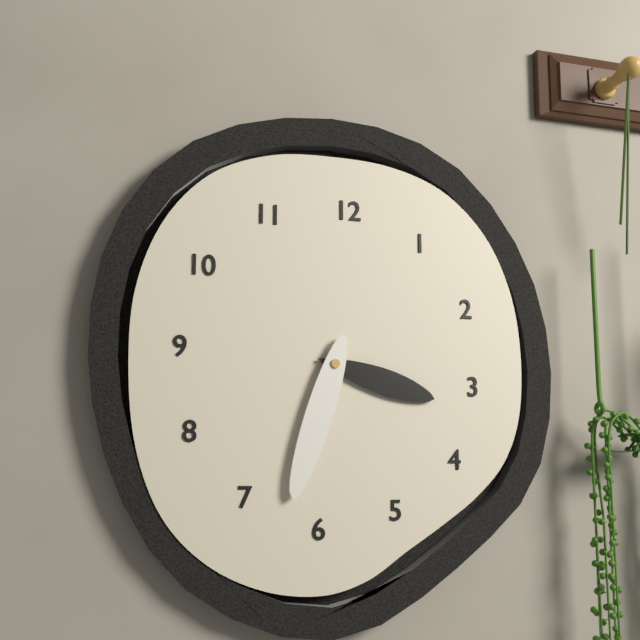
3.33
